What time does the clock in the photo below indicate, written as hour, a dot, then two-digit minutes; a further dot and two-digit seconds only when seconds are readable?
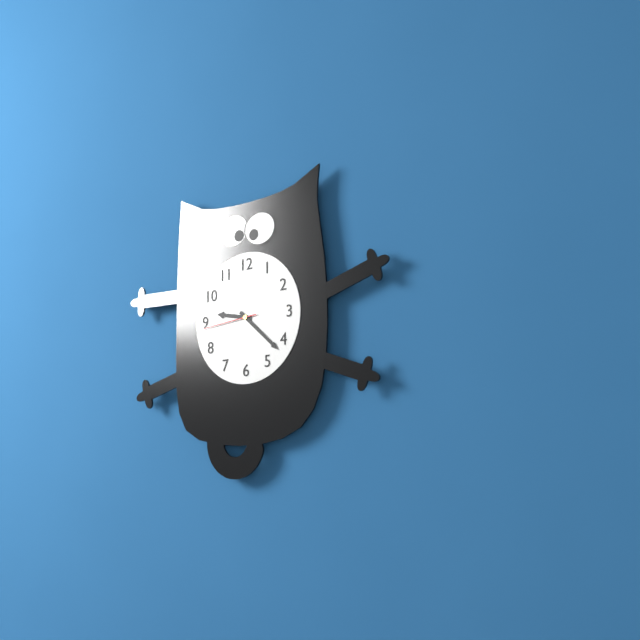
9.22.44
